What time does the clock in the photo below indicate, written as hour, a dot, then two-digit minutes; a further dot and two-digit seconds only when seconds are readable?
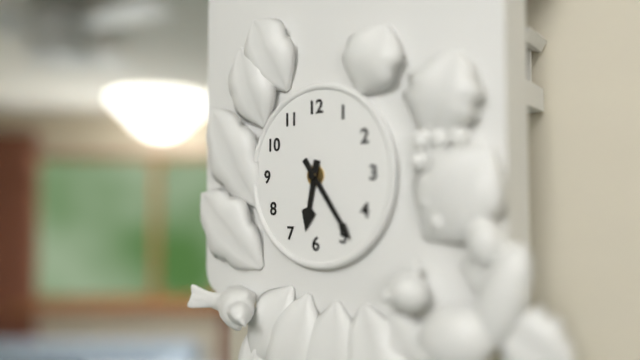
6.24
